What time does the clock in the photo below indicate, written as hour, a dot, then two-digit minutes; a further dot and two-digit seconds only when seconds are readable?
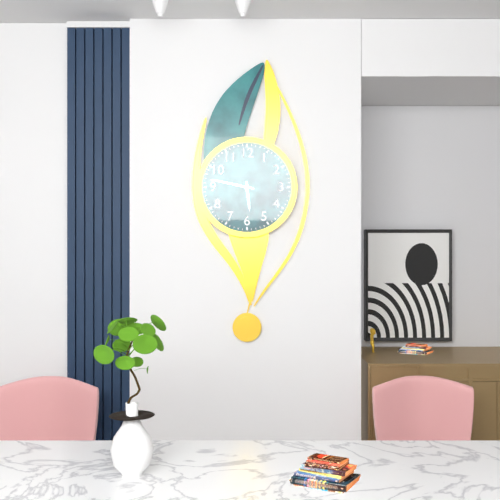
5.47
